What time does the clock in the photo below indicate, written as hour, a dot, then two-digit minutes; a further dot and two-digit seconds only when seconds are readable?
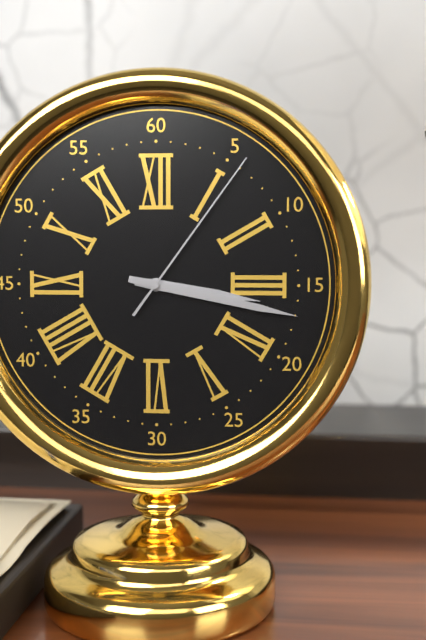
3.17.06
